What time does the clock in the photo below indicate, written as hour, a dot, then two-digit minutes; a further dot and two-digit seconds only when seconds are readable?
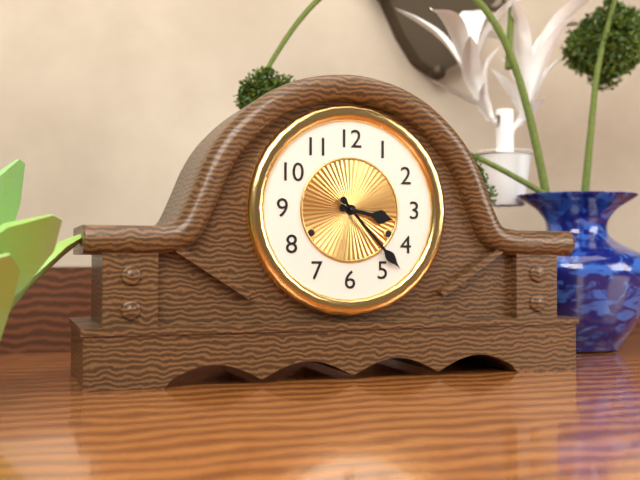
3.23
